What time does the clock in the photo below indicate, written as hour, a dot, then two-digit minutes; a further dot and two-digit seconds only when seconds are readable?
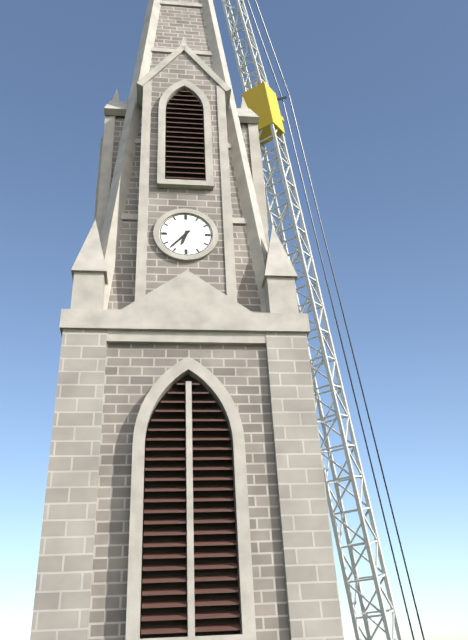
6.37
